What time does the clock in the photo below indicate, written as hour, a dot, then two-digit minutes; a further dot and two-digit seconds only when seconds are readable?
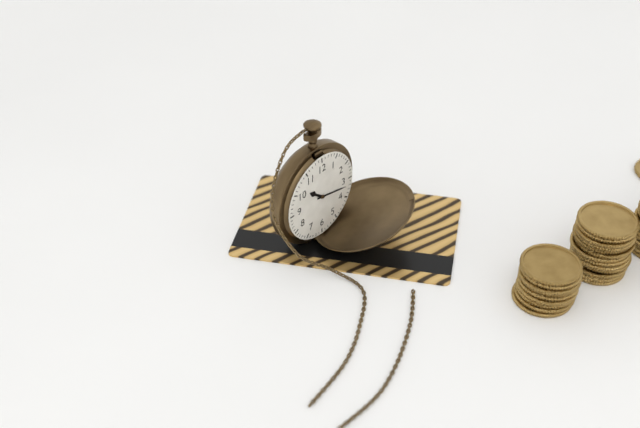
10.17
